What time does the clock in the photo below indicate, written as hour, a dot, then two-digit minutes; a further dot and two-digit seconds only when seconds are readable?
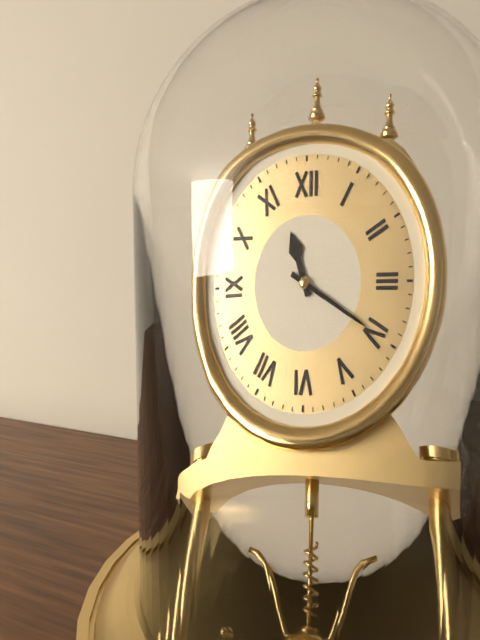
11.20
